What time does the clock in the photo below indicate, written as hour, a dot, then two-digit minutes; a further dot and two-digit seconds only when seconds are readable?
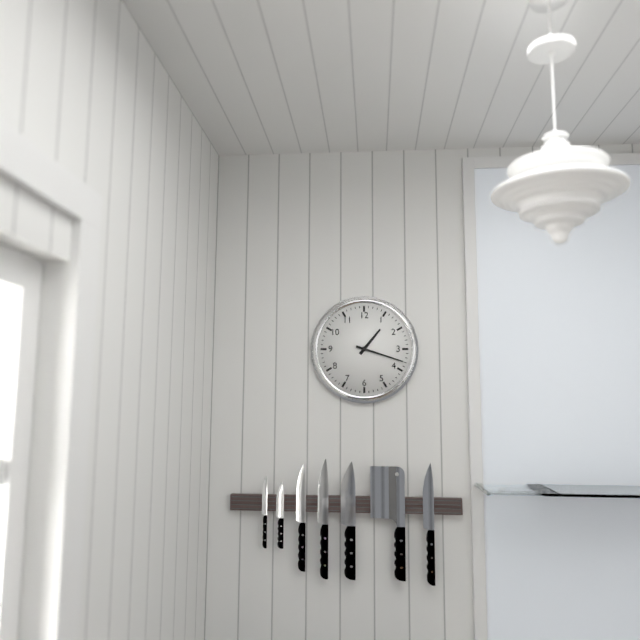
1.18
